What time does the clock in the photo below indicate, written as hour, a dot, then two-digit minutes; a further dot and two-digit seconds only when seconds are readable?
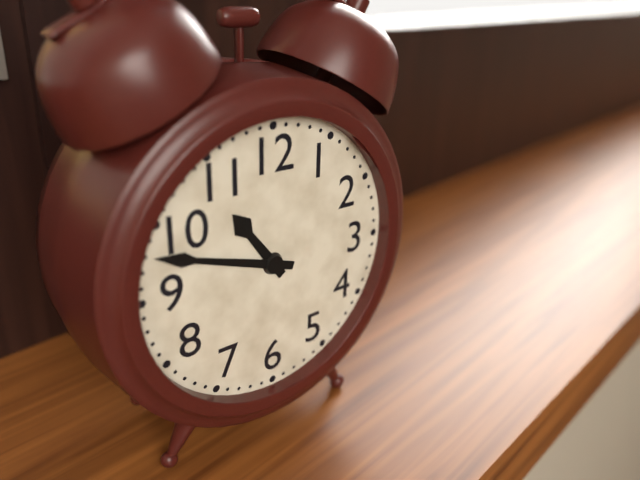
10.48
